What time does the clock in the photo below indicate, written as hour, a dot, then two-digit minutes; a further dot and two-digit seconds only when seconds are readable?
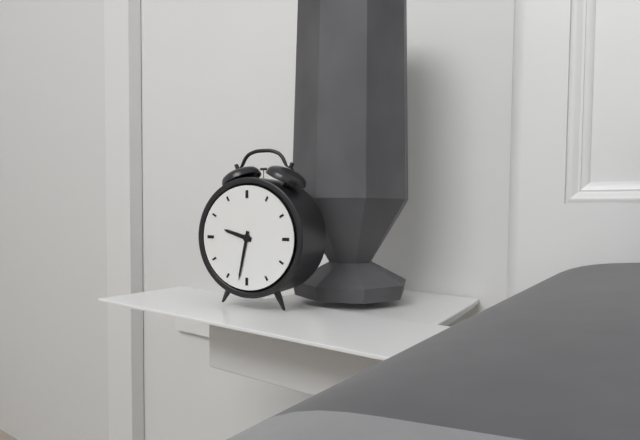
9.32
